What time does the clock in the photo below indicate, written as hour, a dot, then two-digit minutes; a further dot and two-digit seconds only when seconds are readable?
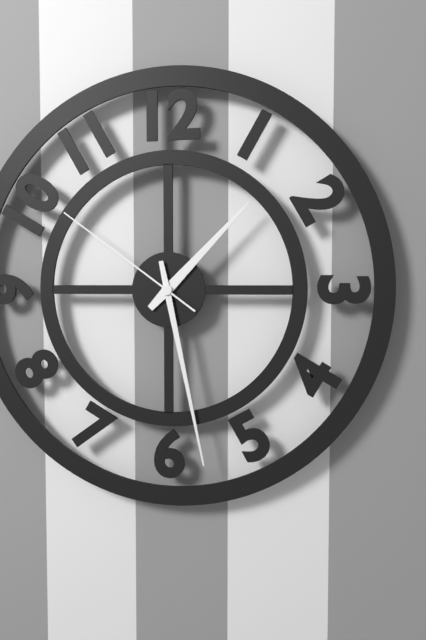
1.28.51
